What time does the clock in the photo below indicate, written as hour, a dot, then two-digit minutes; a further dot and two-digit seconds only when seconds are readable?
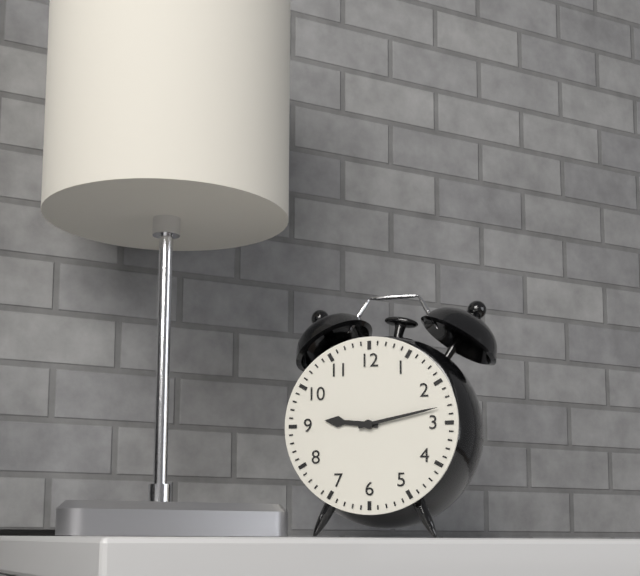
9.13
